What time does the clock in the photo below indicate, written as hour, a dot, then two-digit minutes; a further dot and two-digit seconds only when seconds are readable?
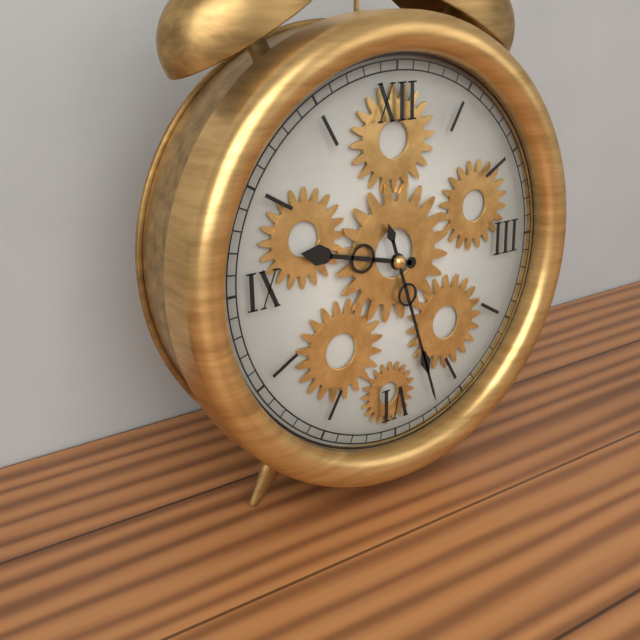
9.27
